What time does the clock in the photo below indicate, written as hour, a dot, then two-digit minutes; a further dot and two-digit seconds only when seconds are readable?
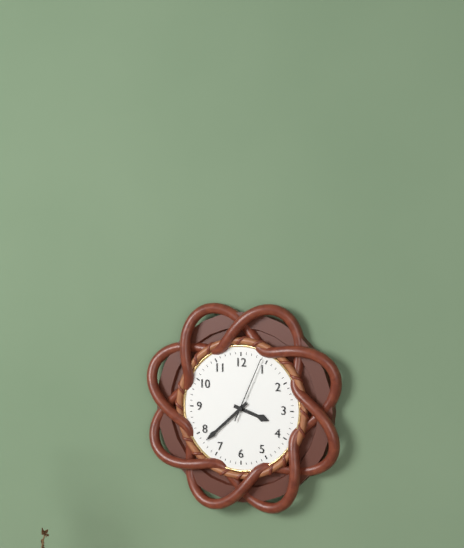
3.38.04
